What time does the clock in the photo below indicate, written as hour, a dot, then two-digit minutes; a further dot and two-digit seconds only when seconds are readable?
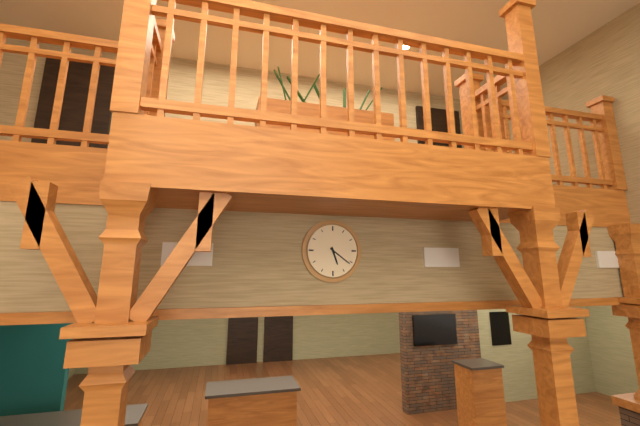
5.21
